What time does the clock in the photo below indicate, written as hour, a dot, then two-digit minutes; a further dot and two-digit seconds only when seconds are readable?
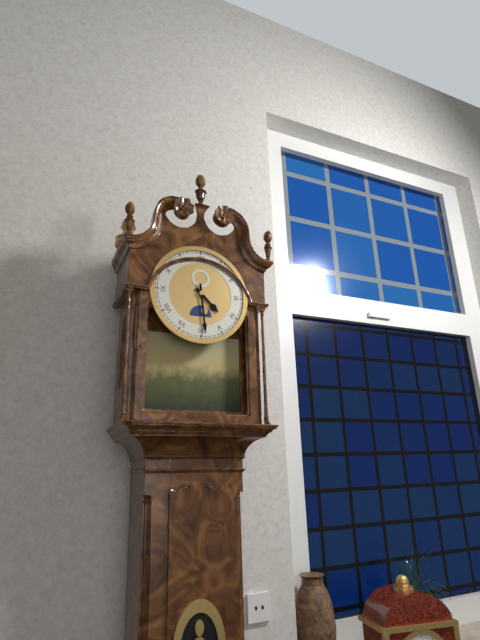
4.29
